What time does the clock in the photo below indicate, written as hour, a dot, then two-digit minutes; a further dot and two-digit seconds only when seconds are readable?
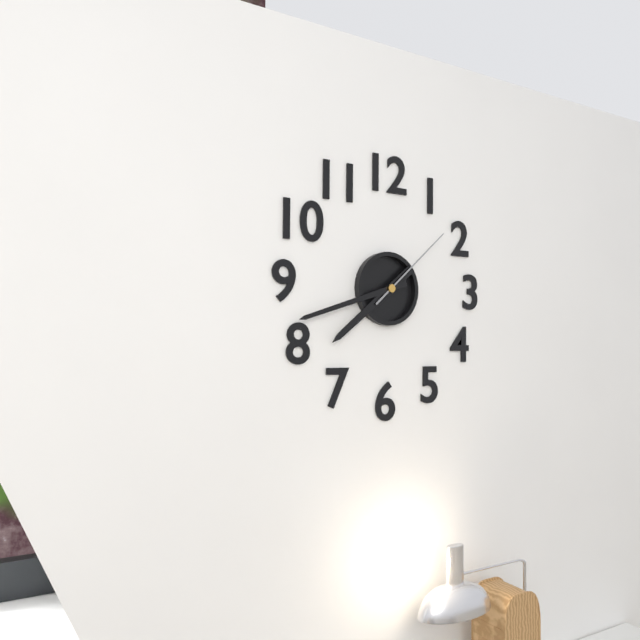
7.42.08
